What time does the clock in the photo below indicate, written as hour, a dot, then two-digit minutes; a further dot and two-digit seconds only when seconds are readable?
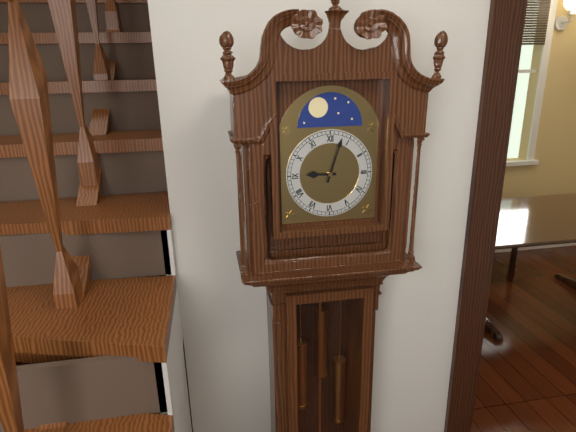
9.03
